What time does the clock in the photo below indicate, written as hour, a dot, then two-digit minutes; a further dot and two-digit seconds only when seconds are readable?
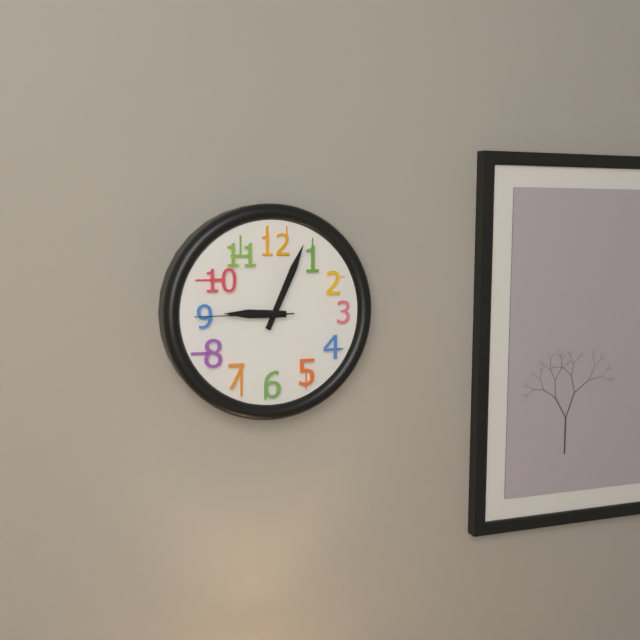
9.04.45
